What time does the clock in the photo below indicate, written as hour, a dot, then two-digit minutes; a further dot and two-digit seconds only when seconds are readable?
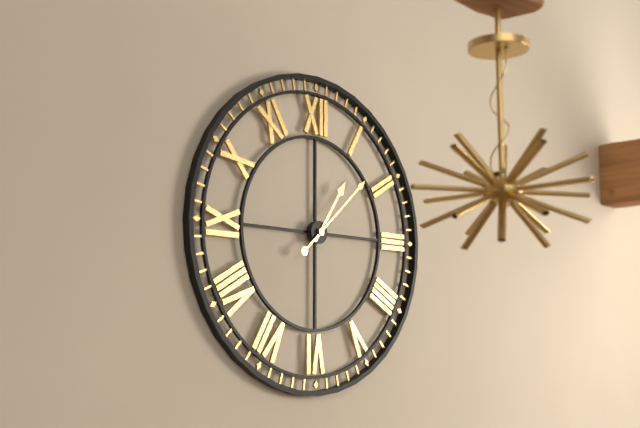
1.08
